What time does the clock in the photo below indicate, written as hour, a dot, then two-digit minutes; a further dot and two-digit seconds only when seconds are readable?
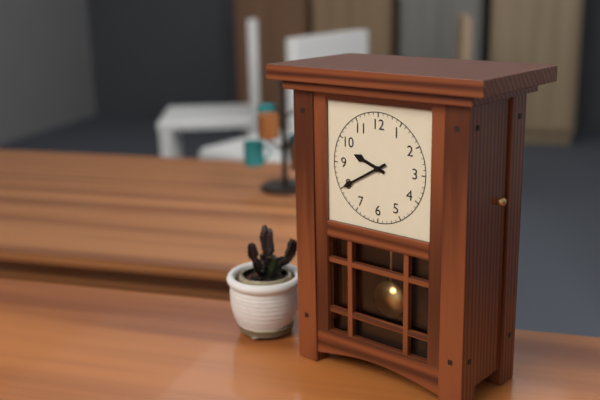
9.40
